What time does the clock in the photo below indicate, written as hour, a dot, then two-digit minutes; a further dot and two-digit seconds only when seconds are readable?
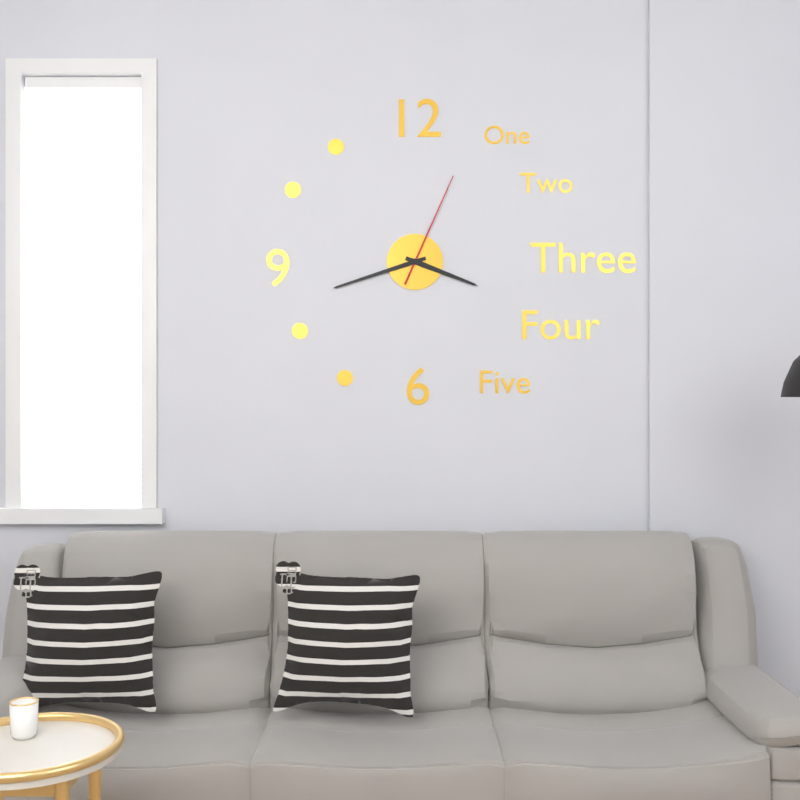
3.42.04
